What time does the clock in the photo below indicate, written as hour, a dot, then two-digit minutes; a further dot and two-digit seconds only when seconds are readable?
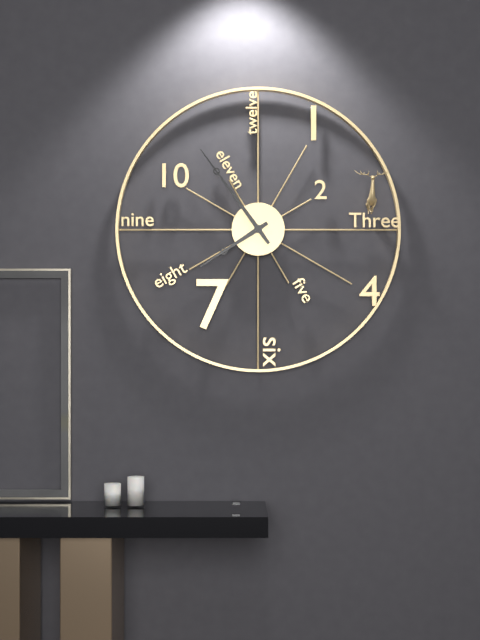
7.54
